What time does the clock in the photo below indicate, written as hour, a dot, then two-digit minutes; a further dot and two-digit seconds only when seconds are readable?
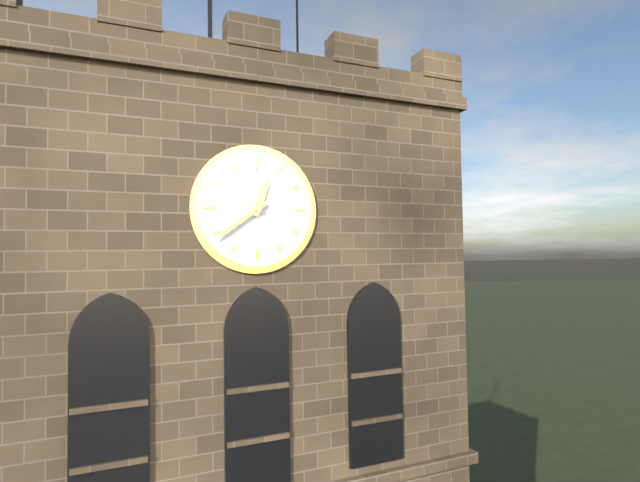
12.39
